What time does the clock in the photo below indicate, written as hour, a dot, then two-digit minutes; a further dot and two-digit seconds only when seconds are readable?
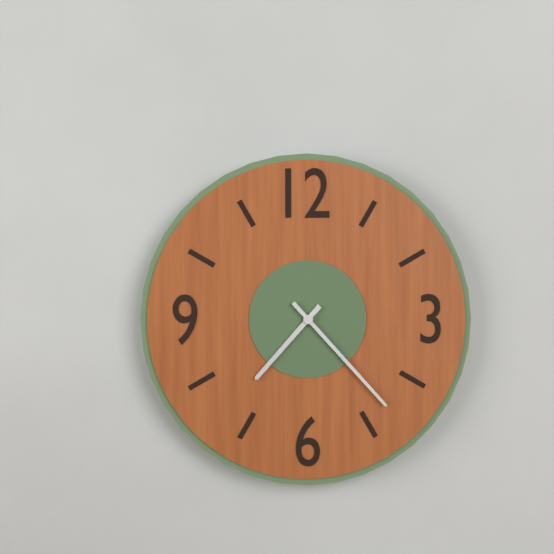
7.23
